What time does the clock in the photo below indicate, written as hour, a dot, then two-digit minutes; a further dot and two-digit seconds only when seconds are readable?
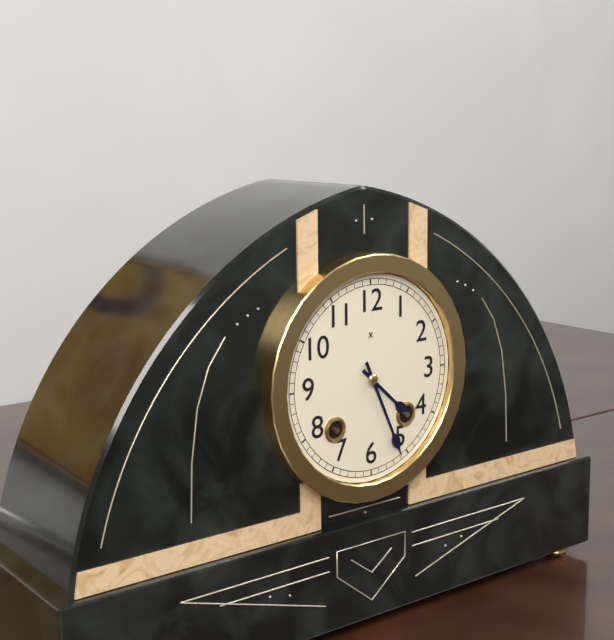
4.26
